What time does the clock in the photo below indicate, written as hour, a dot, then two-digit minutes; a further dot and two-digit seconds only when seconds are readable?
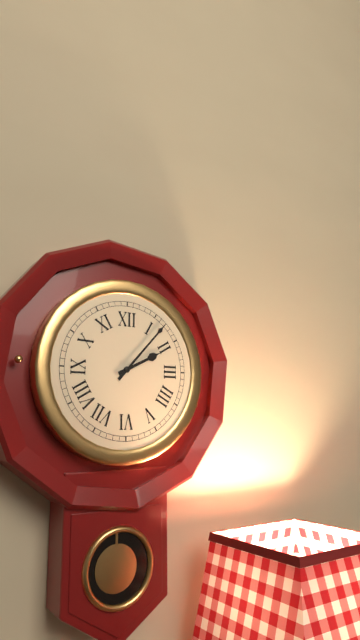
2.07
